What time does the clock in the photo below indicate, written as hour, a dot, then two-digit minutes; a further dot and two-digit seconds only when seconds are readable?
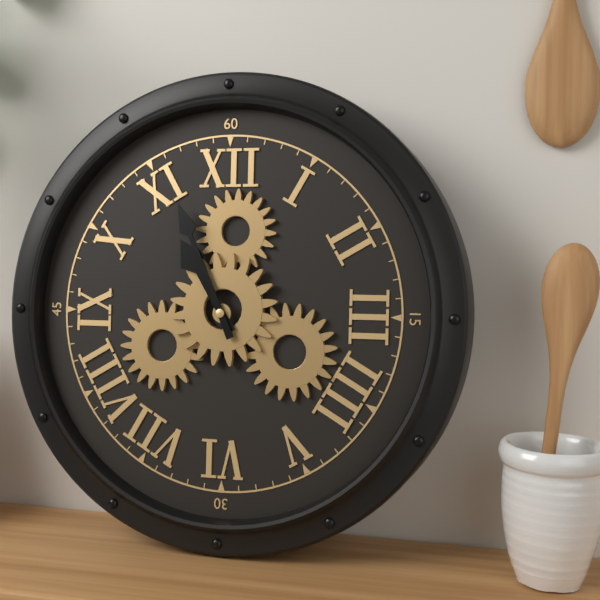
10.56
